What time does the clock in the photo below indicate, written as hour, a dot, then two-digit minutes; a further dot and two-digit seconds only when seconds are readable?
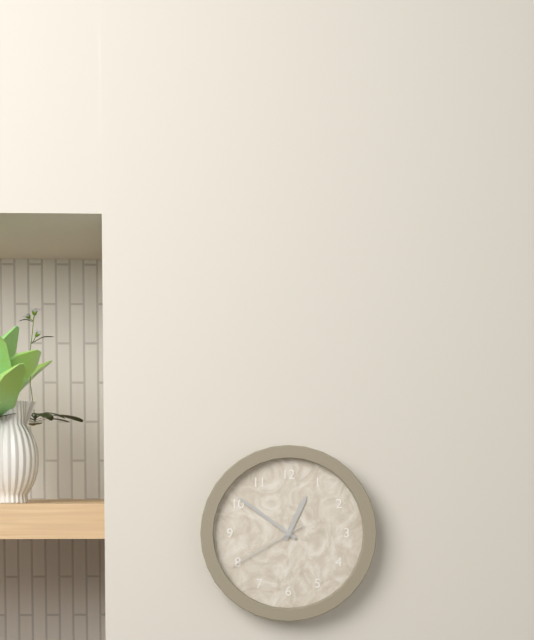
12.51.40
